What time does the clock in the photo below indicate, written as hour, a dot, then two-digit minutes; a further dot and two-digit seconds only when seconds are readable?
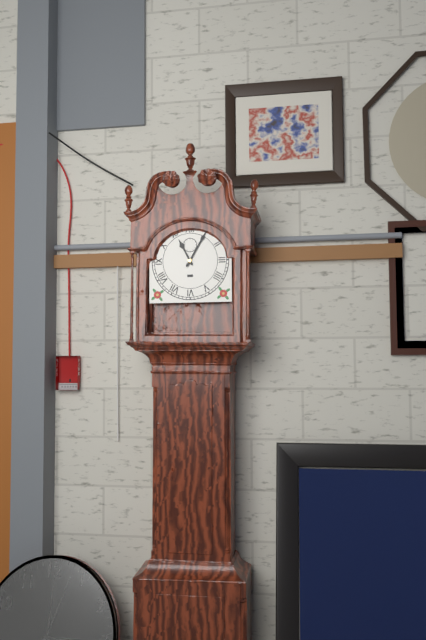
11.05
